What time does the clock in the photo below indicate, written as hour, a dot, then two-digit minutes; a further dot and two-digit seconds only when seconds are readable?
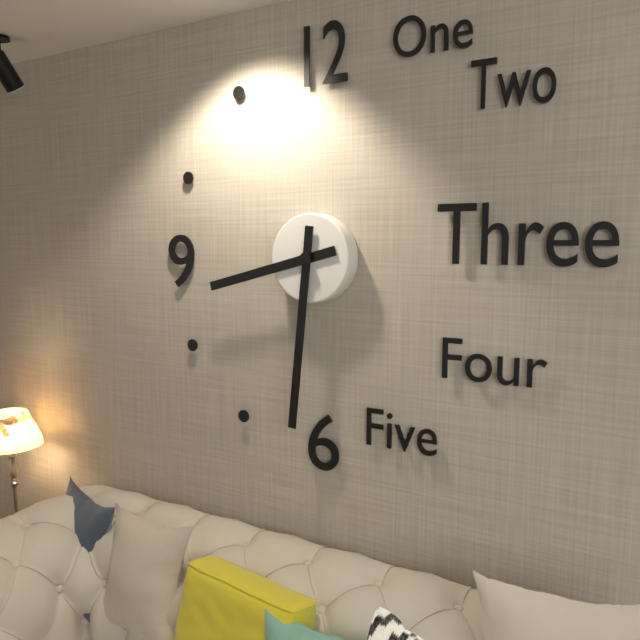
8.31
